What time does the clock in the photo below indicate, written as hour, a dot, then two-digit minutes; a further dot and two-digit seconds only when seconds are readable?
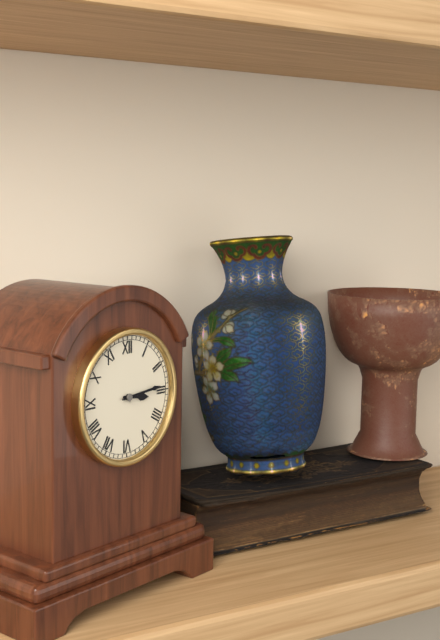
3.14
